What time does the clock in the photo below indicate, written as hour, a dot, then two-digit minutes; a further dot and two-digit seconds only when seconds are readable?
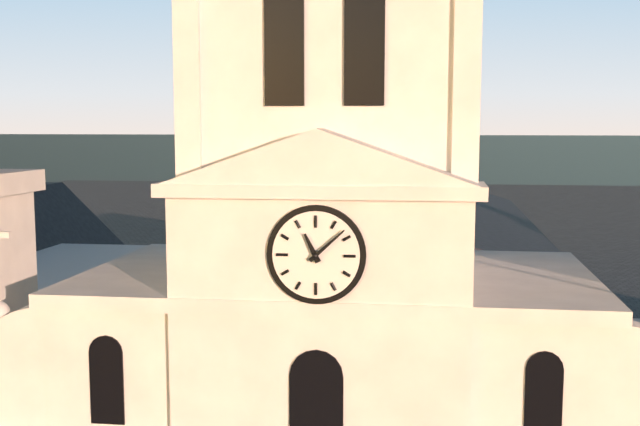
11.08
